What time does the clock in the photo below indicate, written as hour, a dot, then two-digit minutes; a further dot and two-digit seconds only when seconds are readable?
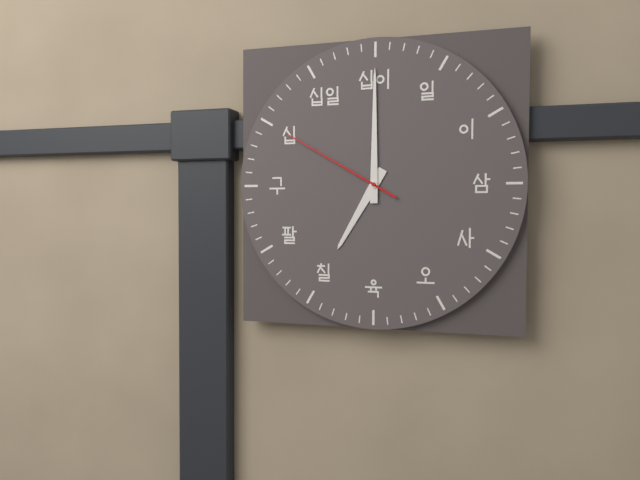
7.00.50
